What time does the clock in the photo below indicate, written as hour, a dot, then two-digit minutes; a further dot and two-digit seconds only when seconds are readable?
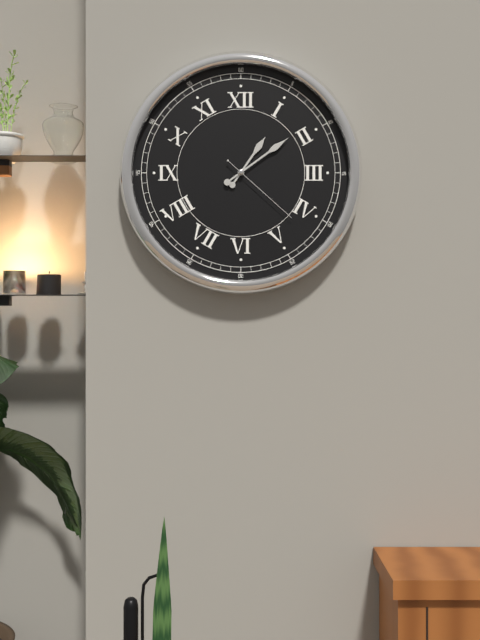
1.09.22
